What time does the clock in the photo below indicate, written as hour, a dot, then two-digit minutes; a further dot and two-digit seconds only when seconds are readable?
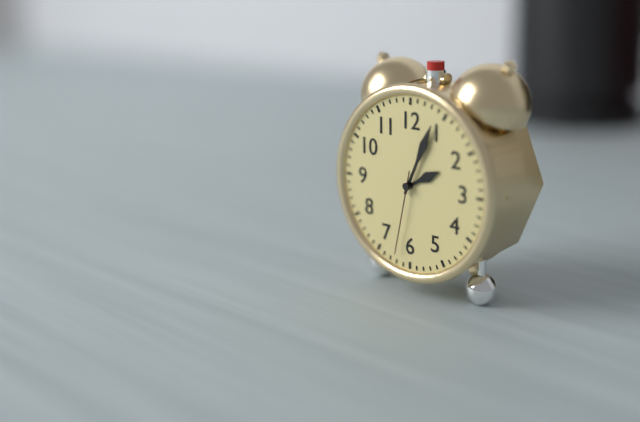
2.04.32
